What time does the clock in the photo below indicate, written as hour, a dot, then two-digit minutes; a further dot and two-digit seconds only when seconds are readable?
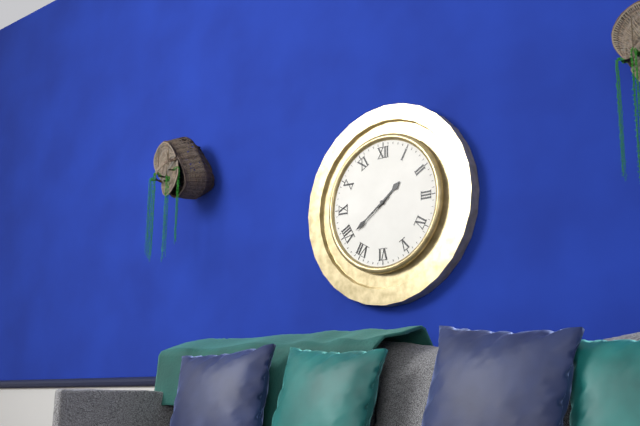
1.39
